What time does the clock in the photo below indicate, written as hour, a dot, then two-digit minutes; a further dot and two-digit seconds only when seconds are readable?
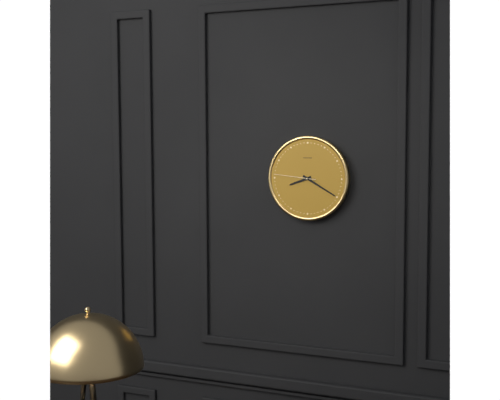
8.20
